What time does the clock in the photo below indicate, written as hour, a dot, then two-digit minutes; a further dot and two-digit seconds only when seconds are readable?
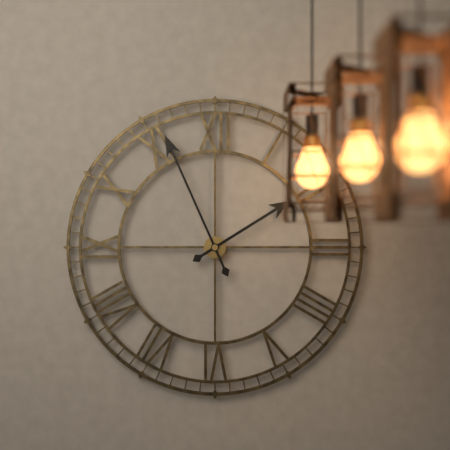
1.56
